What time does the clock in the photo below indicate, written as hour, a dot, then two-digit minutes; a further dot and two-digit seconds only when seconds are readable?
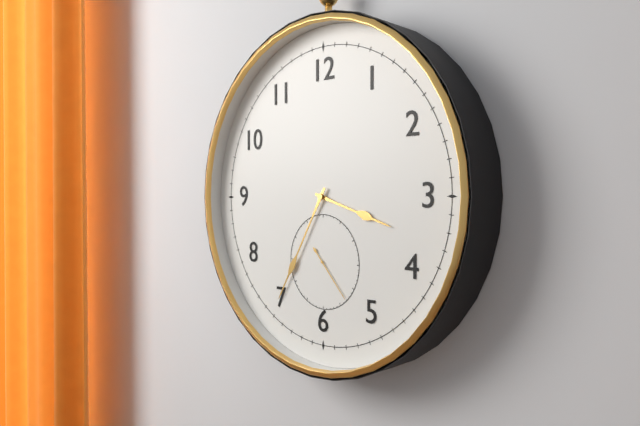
3.35.23
